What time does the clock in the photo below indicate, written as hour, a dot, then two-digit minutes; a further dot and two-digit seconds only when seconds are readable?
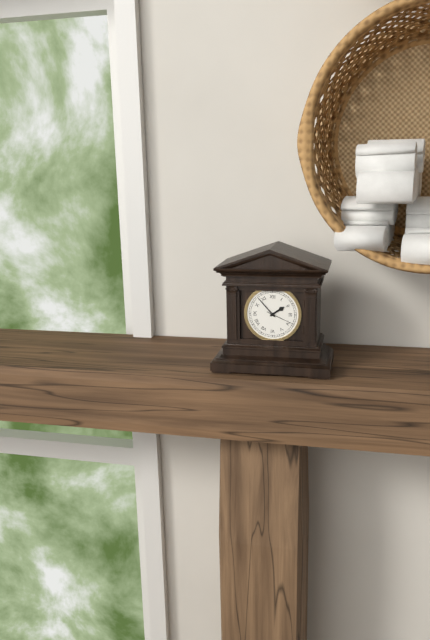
1.53
